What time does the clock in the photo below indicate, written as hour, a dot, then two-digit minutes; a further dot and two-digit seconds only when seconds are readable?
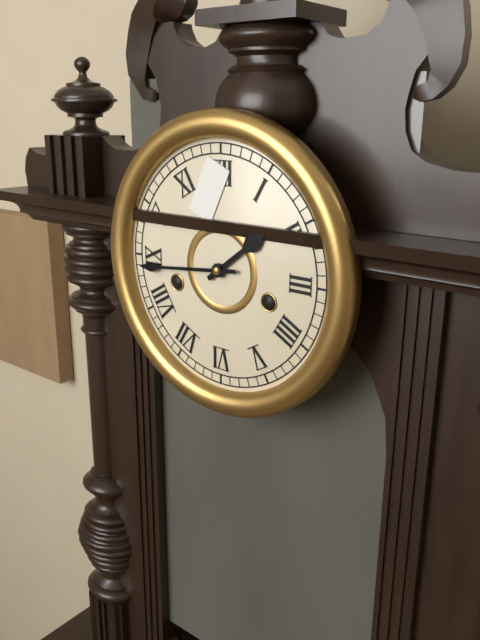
1.44
